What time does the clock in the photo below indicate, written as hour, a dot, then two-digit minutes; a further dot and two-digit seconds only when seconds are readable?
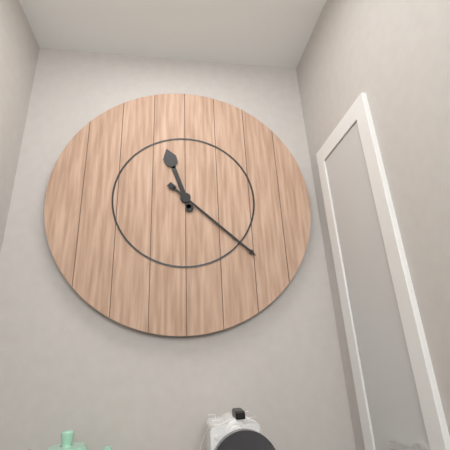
11.22
